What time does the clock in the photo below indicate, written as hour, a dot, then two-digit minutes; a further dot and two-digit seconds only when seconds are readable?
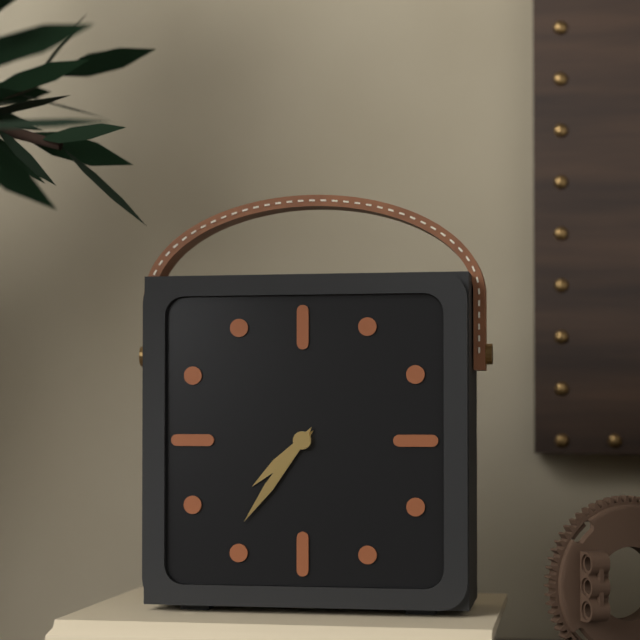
7.36
